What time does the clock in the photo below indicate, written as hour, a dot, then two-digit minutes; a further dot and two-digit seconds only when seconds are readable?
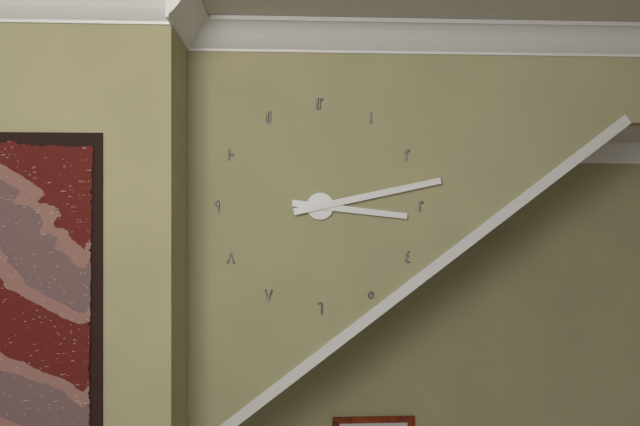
3.13
